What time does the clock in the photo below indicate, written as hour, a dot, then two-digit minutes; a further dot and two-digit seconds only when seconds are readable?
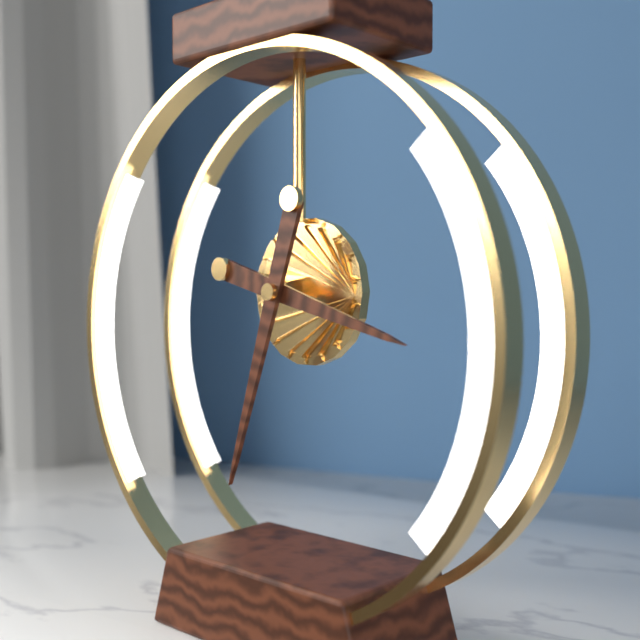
3.33
